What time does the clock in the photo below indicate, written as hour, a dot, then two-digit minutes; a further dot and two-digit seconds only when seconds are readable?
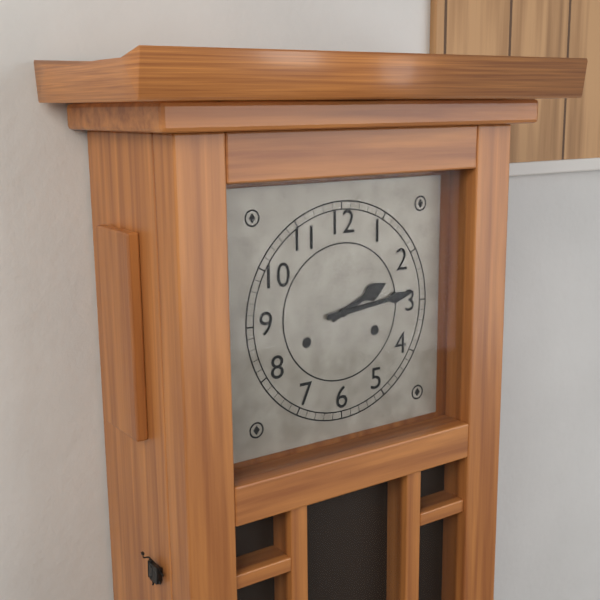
2.14
